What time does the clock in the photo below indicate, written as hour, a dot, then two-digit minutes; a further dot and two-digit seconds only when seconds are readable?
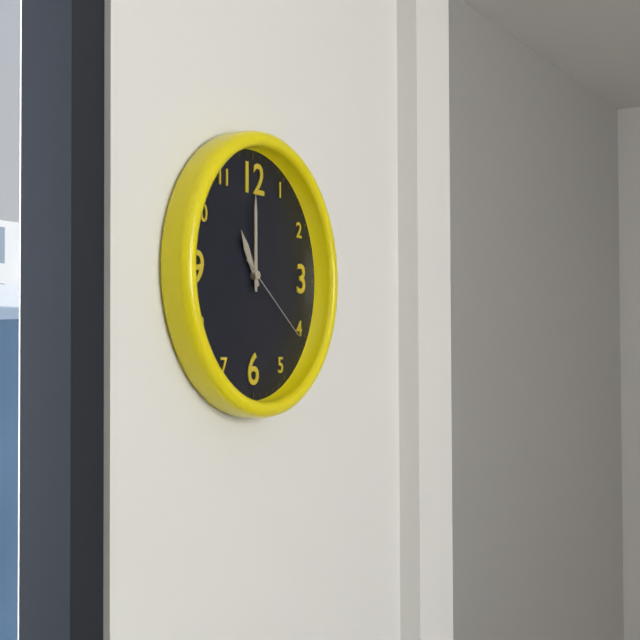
11.00.21
